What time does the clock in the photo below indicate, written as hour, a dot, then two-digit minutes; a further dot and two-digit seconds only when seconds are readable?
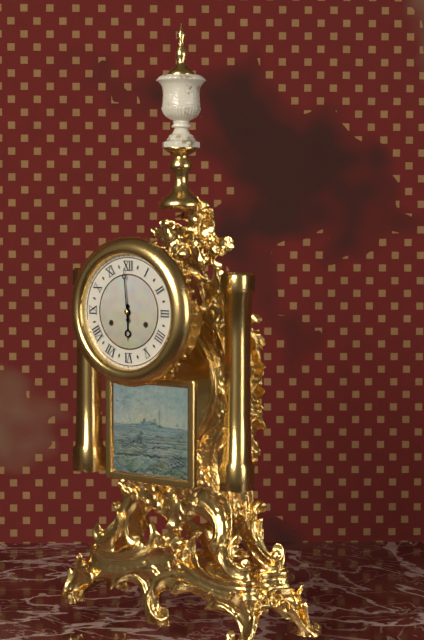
5.59
